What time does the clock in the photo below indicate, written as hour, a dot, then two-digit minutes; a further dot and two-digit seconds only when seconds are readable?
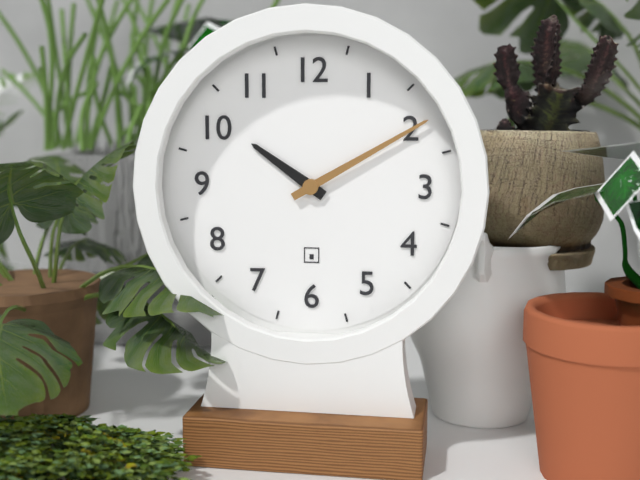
10.10
